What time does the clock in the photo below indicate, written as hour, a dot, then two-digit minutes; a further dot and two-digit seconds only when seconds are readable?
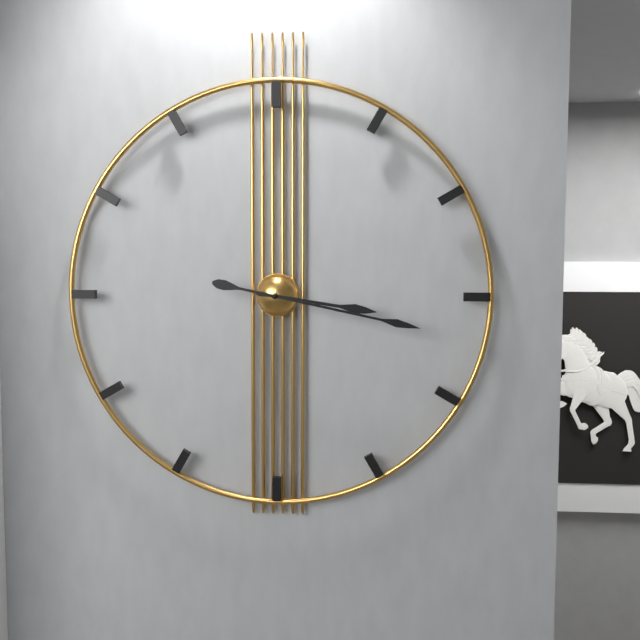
3.17
